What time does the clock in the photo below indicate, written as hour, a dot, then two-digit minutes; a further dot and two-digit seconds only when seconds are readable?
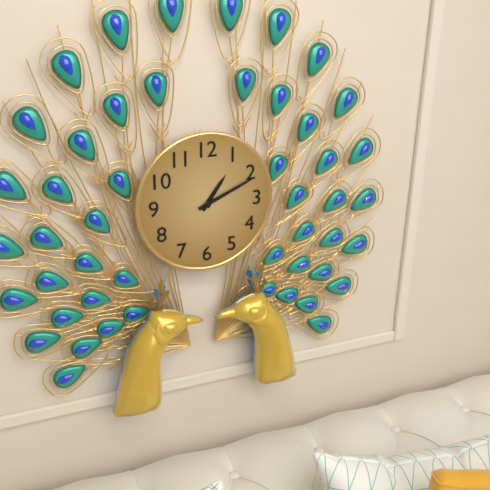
1.11
